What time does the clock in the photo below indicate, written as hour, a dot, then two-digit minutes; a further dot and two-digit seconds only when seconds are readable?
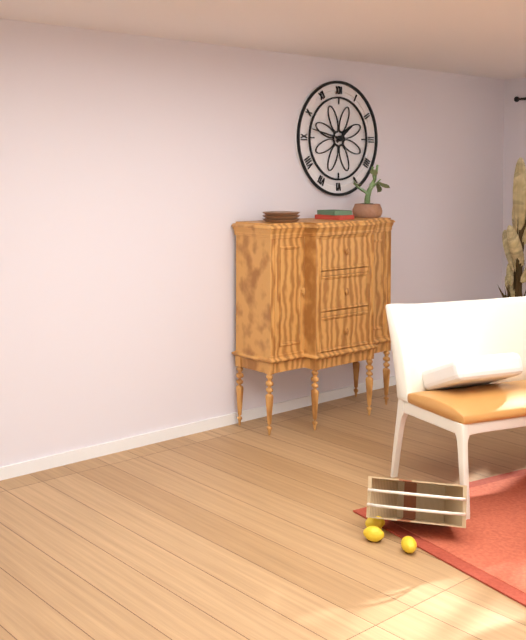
1.47
